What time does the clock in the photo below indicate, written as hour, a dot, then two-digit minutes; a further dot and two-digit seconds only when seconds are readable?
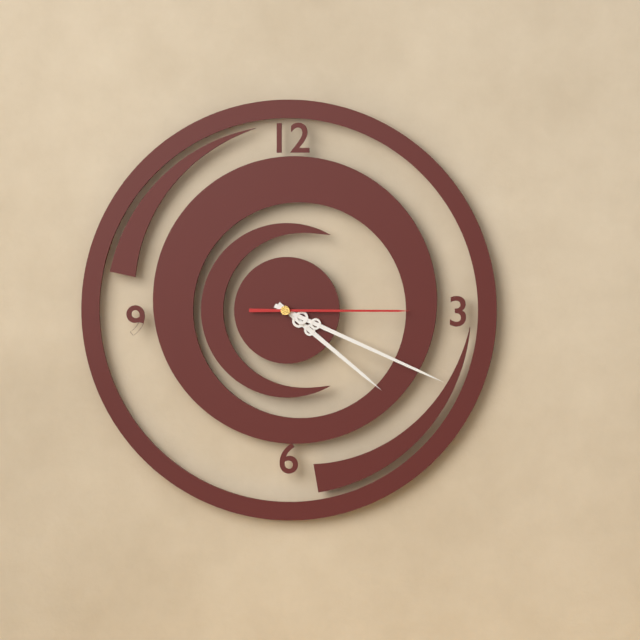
4.19.15
